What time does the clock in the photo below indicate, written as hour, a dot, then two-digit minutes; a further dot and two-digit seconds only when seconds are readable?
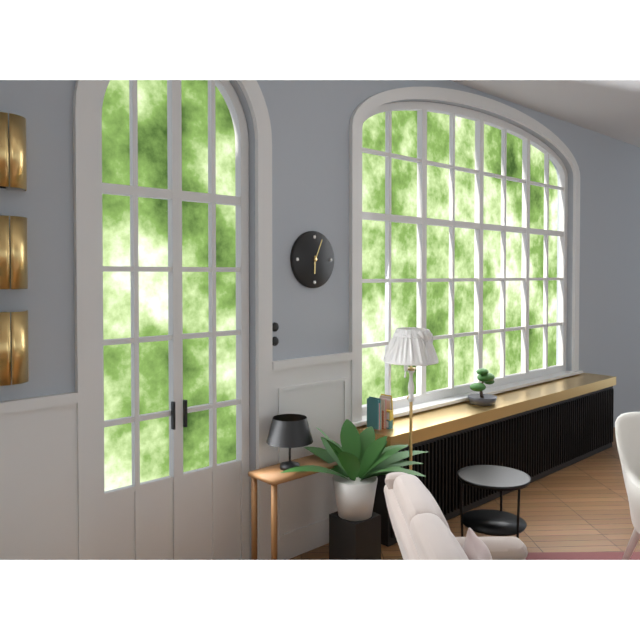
6.04
